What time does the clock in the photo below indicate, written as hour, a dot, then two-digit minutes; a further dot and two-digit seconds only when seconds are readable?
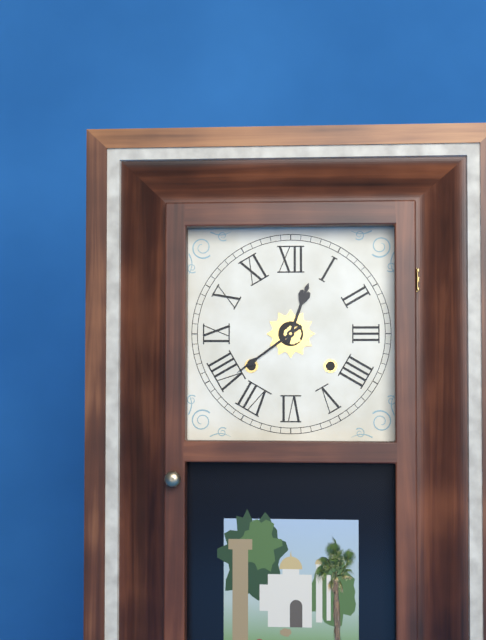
12.39
